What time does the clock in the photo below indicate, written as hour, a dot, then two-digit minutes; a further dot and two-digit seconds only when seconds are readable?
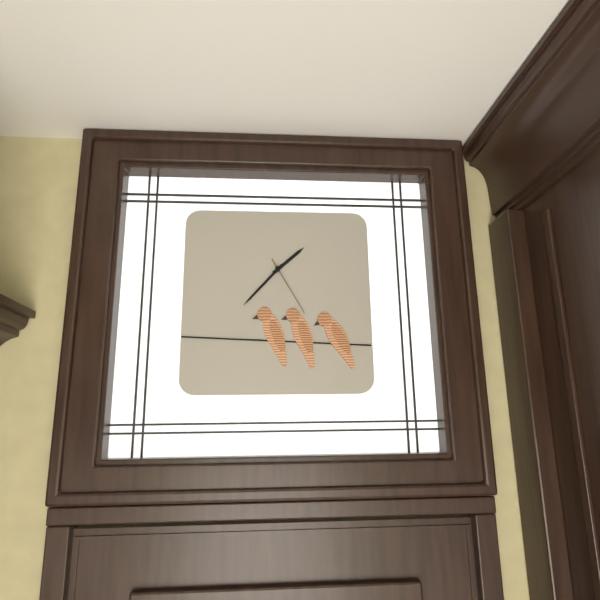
1.37.25
